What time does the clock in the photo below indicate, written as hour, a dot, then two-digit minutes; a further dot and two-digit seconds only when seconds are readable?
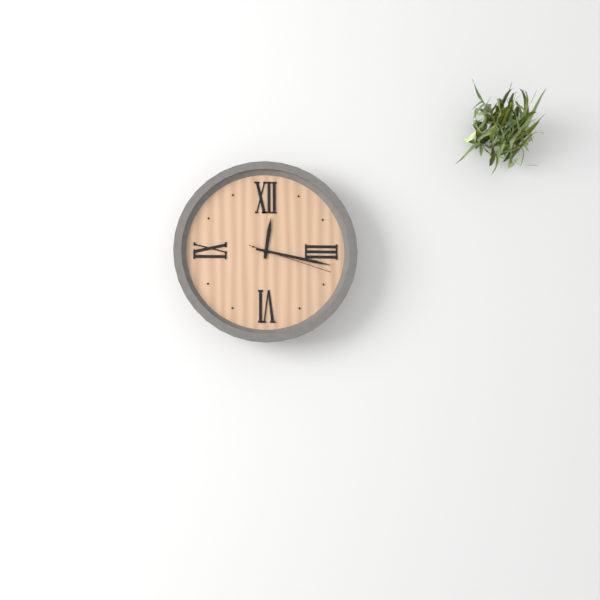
12.17.18
